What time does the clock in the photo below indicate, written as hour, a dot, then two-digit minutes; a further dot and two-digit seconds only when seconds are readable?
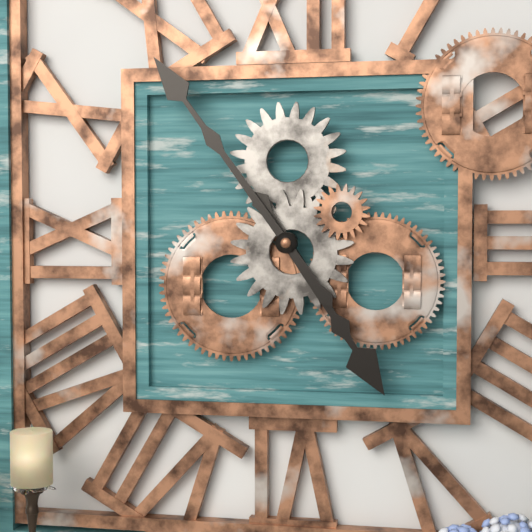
4.54
